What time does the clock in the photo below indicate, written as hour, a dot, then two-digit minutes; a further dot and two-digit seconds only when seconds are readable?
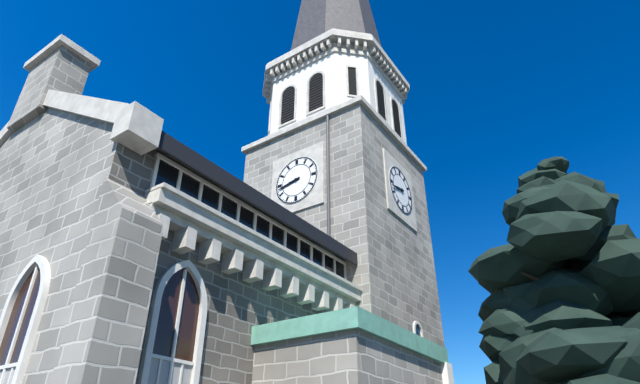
8.43
